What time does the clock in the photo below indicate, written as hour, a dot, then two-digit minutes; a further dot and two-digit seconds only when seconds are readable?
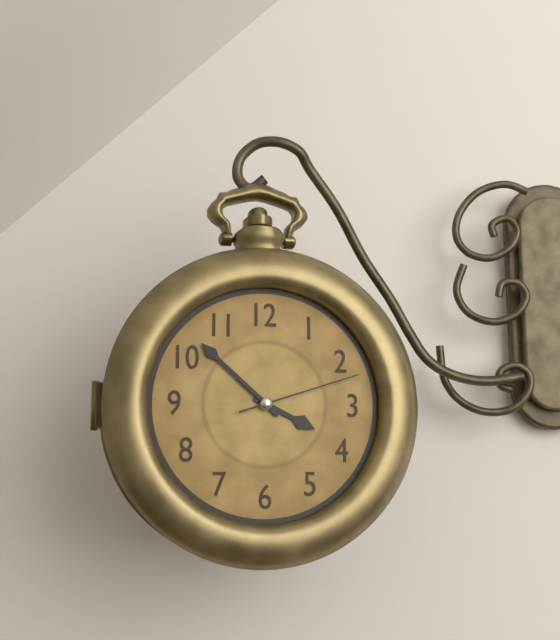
3.52.12
